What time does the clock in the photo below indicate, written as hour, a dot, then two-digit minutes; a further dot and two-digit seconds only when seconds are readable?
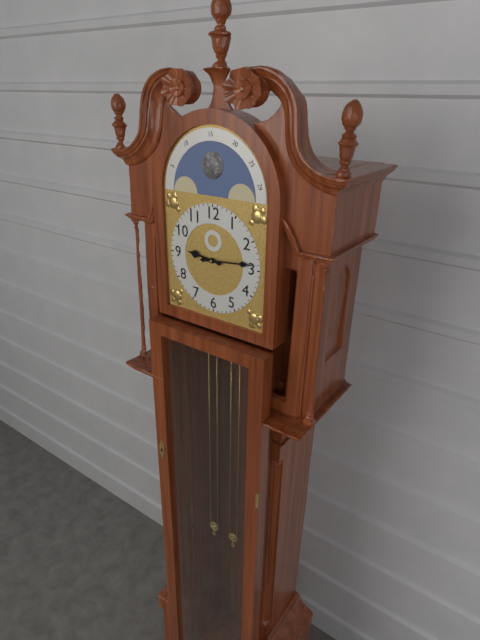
9.14
